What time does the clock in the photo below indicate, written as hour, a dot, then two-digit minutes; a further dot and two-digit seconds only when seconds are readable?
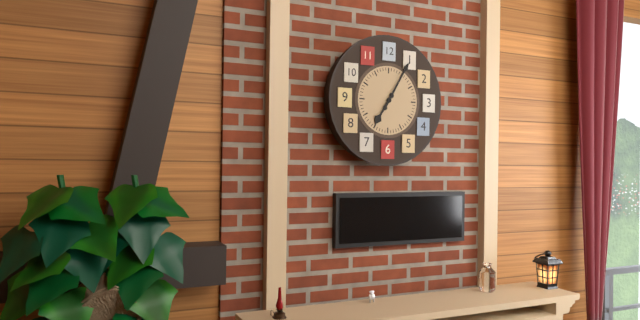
7.05
